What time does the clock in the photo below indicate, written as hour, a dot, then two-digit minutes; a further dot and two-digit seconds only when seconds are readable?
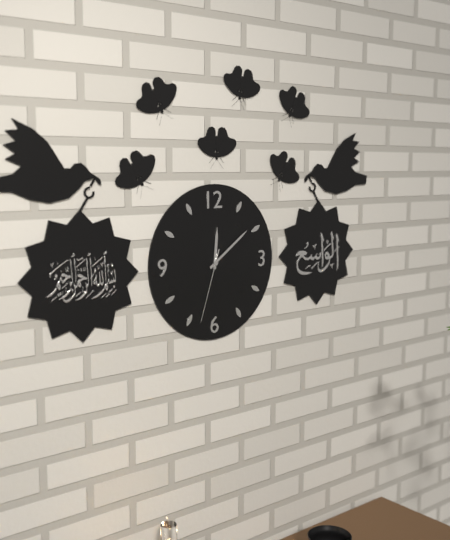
12.09.33
